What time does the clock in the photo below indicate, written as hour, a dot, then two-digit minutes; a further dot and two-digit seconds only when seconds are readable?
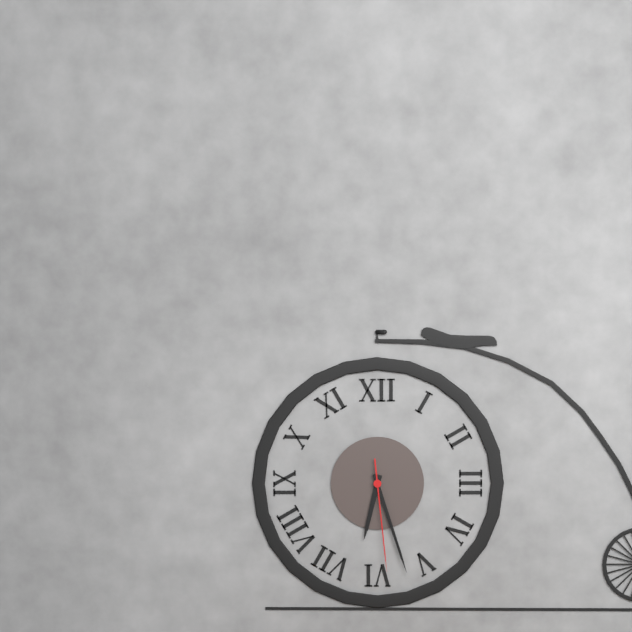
6.27.29
